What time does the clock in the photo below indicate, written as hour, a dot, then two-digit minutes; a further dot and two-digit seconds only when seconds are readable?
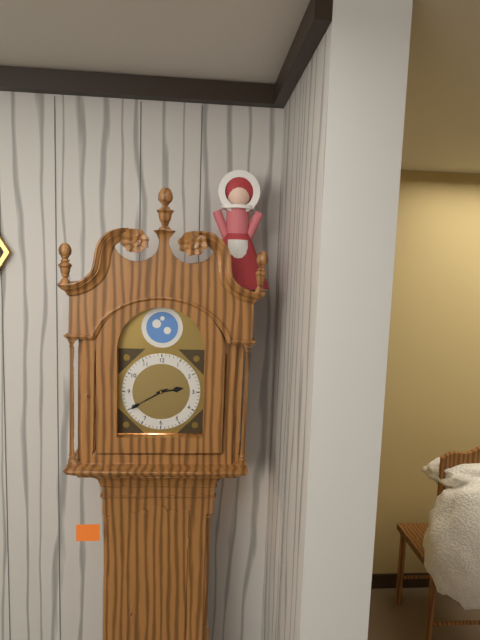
2.40
